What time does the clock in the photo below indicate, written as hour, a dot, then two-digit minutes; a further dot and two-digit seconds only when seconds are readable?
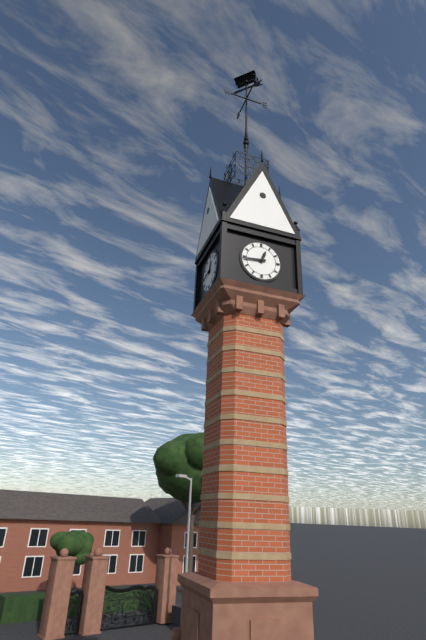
12.44
